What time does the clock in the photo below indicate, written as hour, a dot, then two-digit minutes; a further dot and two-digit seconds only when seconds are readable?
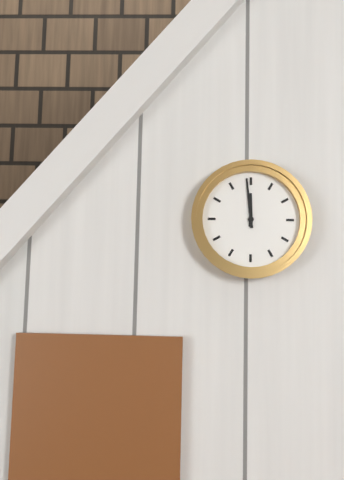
11.59
